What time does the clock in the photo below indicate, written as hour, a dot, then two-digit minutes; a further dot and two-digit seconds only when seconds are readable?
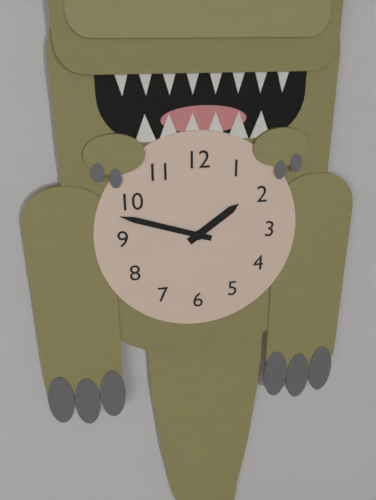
1.48
